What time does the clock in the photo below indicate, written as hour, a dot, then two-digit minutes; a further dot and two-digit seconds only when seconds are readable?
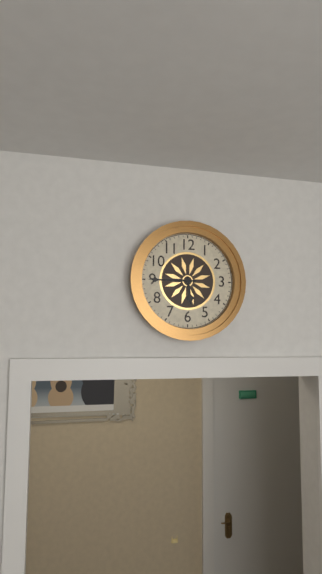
5.45
